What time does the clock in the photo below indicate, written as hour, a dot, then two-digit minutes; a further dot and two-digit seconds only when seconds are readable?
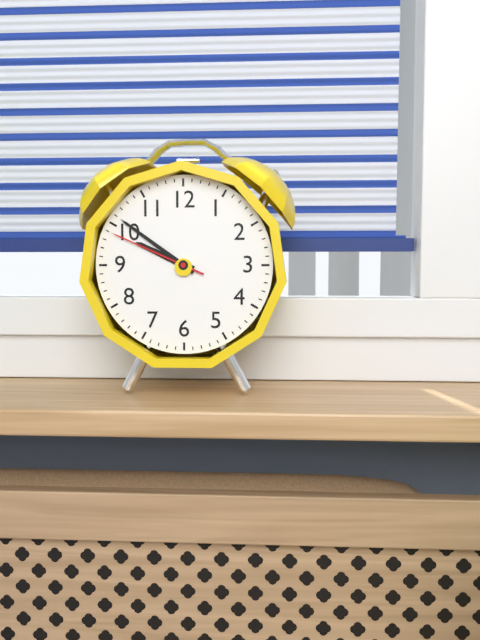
9.51.49
